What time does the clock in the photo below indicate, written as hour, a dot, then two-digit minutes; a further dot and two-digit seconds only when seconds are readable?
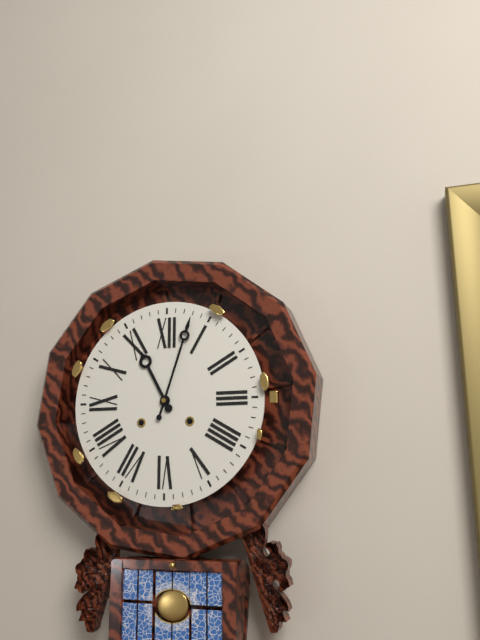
11.03
